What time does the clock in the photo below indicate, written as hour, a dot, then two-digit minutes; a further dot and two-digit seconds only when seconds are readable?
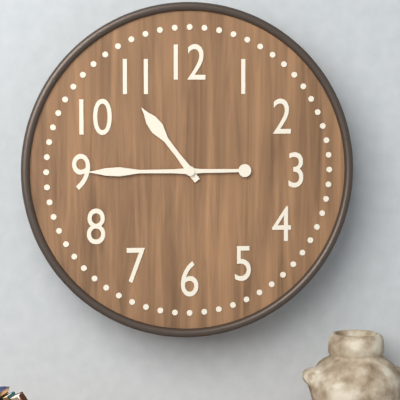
10.45
